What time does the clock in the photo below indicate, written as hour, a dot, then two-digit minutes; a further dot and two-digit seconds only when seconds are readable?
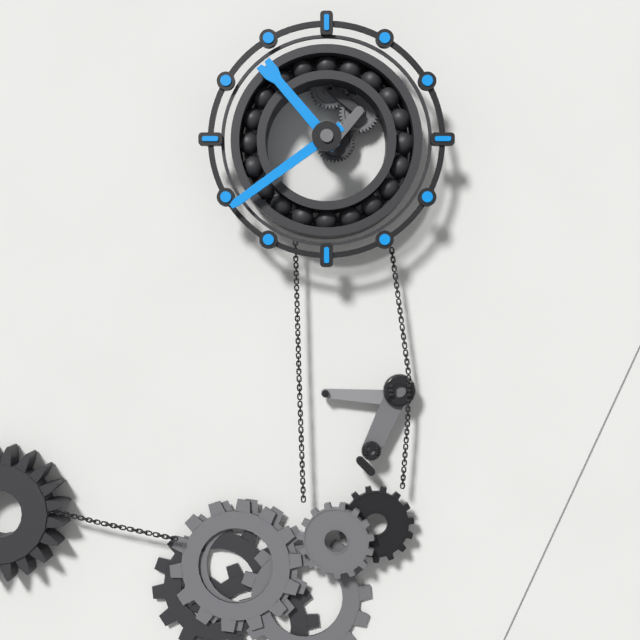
10.39
